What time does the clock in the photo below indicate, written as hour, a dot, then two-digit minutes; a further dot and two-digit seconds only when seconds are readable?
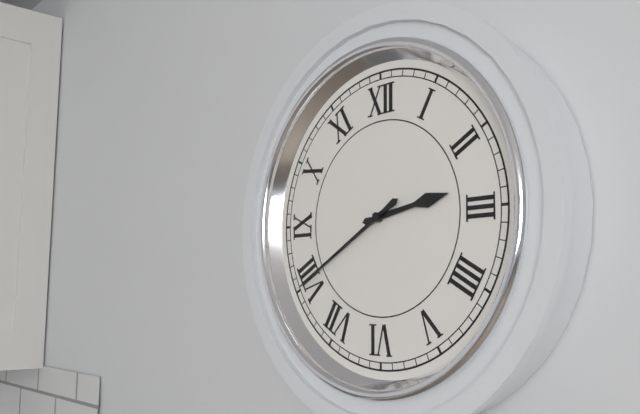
2.40
